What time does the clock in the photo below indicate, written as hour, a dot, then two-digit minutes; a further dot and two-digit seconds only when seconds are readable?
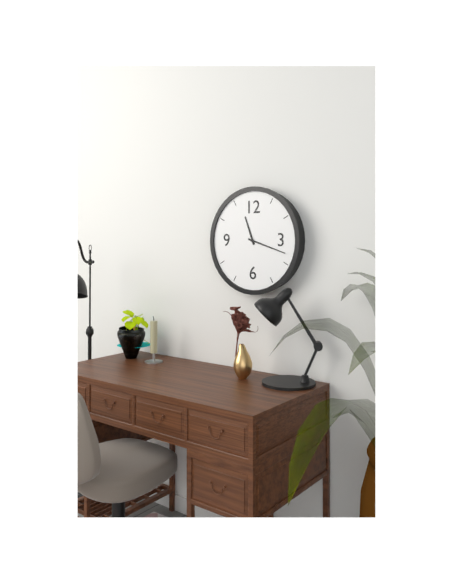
11.18
